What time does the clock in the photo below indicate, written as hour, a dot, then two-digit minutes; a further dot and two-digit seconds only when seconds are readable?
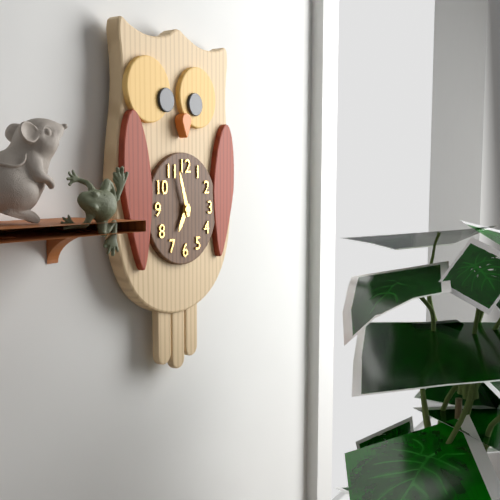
6.57
